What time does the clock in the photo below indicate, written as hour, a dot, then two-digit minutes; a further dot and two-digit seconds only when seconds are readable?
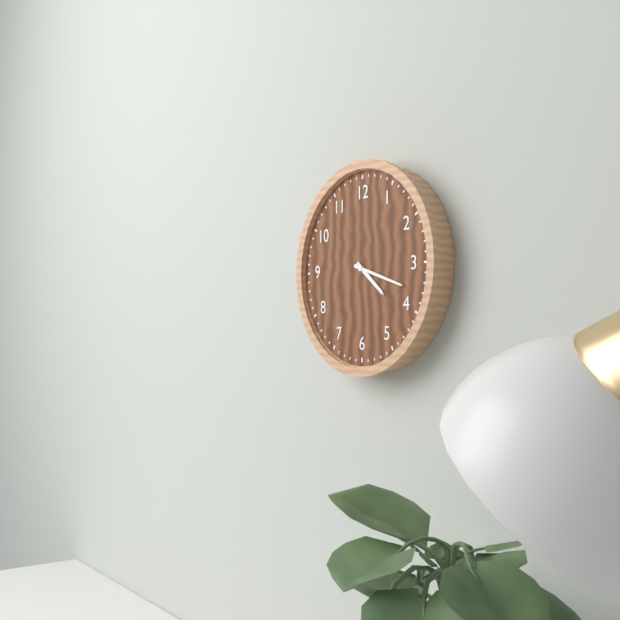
4.18
